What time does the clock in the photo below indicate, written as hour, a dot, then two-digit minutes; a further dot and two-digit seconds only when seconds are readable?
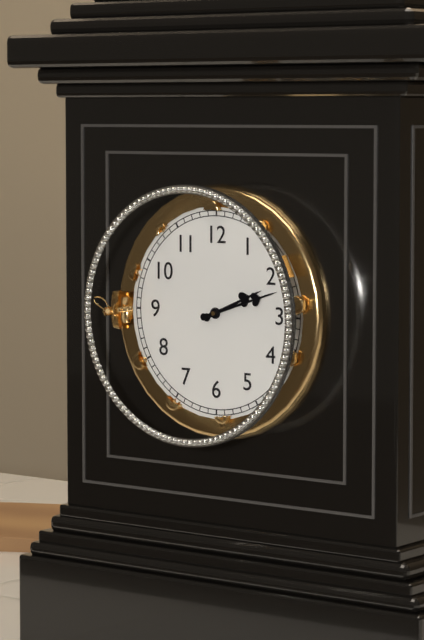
2.12
